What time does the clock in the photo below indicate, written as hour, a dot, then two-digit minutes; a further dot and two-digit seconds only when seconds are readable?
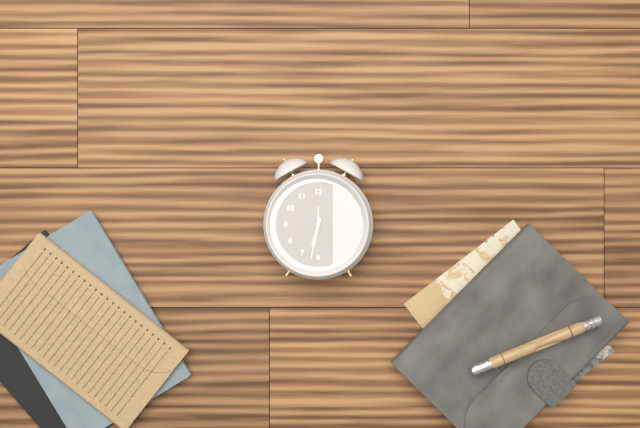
6.32
